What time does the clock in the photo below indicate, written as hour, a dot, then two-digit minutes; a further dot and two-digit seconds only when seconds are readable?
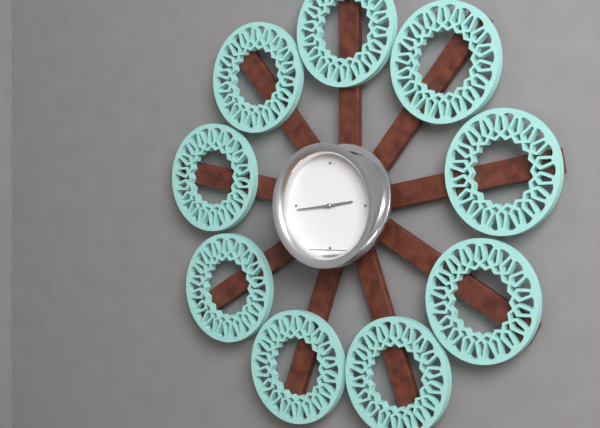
2.44
